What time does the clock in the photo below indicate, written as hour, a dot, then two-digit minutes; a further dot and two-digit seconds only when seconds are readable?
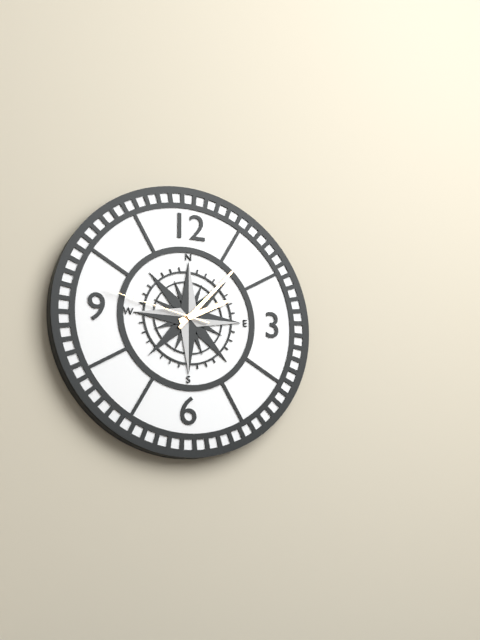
2.07.47
